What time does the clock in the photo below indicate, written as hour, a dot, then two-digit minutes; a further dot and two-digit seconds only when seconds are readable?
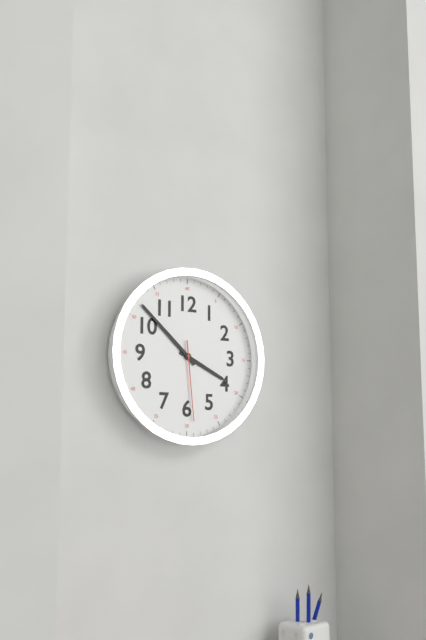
3.52.29
